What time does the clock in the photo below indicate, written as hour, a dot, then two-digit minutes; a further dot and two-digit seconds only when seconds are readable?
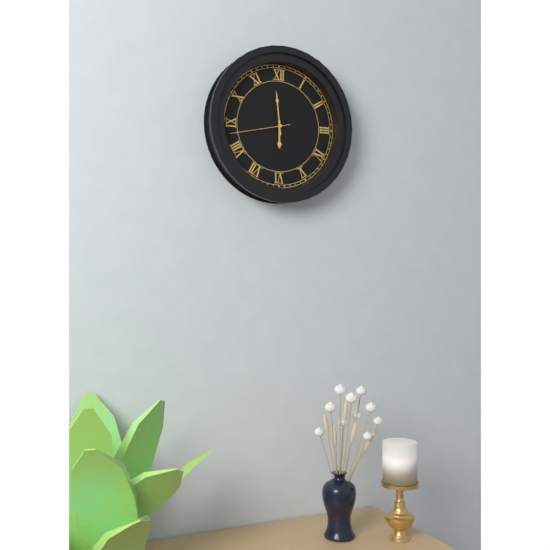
5.59.43
